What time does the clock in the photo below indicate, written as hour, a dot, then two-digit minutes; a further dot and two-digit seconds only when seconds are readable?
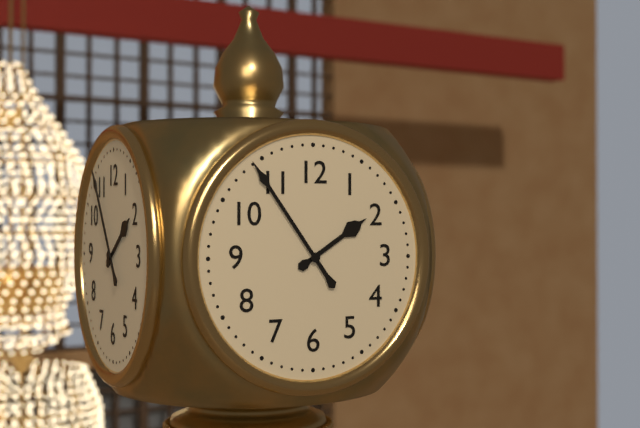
1.54
